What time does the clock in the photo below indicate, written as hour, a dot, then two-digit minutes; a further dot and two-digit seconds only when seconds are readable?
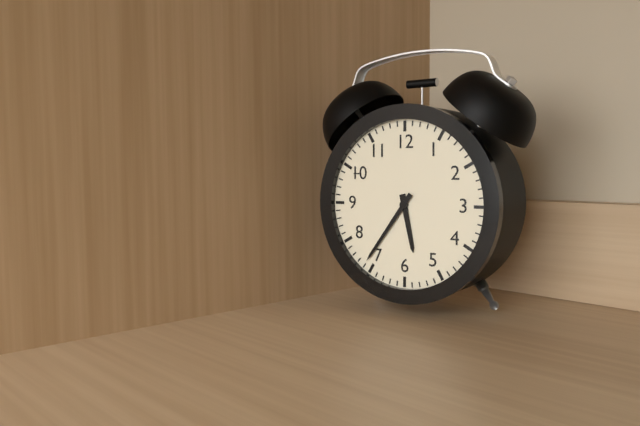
5.36
